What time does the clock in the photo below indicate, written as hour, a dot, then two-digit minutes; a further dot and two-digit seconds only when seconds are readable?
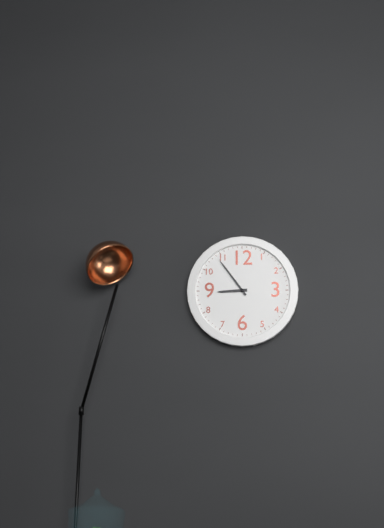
8.54
